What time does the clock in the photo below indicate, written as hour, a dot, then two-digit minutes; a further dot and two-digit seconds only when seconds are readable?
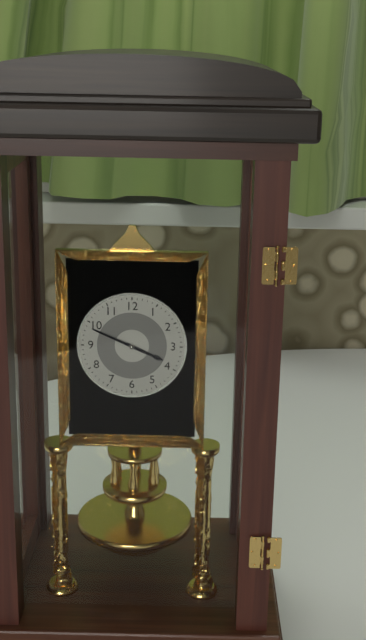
3.49
